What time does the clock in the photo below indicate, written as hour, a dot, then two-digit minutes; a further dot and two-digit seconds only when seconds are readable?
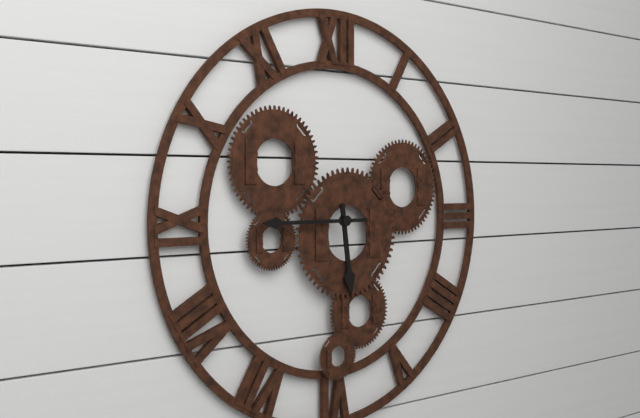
5.45
